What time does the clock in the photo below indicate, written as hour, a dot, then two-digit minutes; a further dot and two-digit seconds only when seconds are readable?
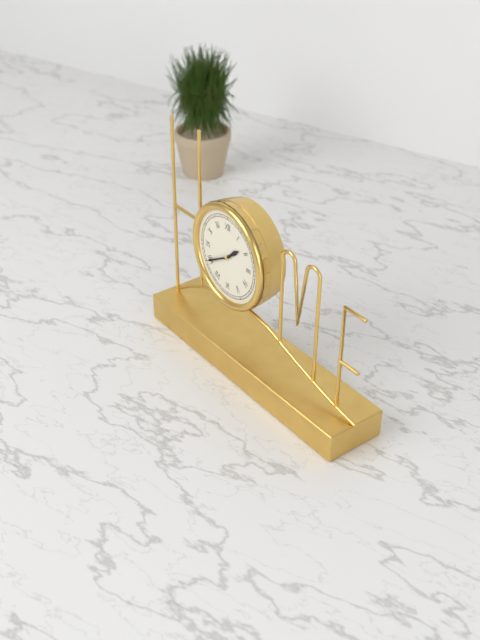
1.40
